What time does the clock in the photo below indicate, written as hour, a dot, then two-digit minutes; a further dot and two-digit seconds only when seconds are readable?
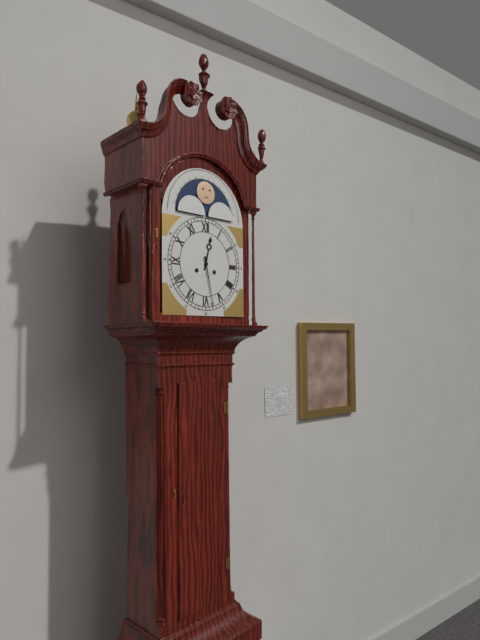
12.28
